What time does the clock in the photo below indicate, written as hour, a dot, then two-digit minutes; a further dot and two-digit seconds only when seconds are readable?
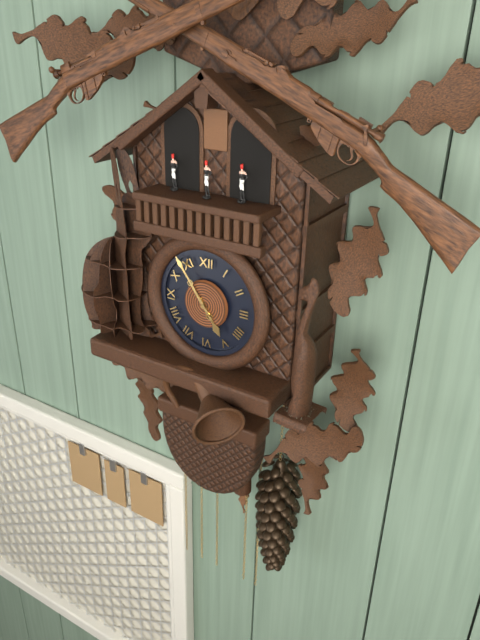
4.54
